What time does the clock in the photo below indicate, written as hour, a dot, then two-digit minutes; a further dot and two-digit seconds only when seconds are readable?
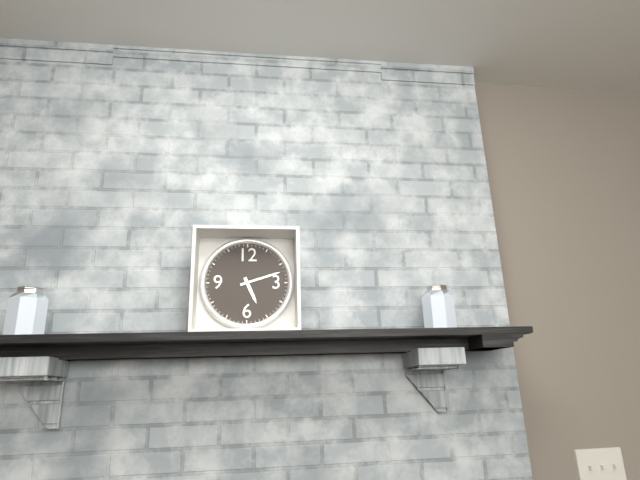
5.12
